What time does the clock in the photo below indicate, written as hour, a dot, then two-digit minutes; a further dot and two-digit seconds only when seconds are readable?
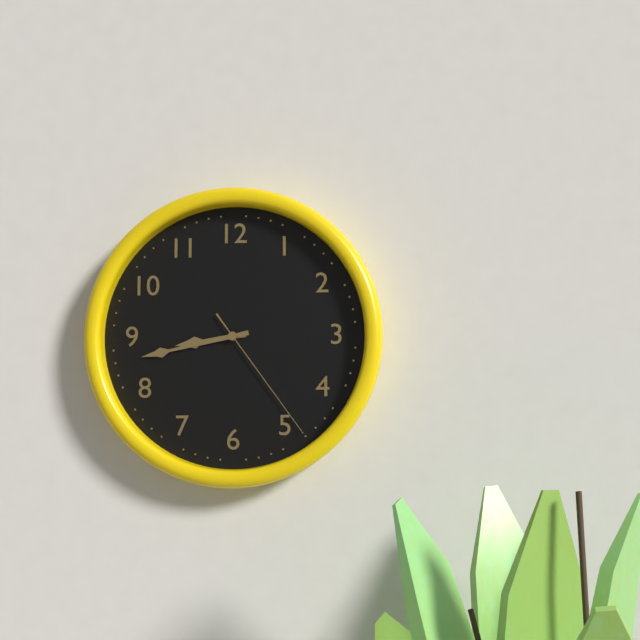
8.43.24
